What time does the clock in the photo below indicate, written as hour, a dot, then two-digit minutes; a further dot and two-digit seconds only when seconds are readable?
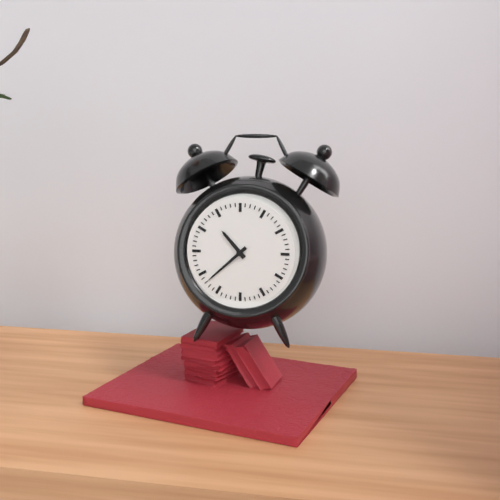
10.38
